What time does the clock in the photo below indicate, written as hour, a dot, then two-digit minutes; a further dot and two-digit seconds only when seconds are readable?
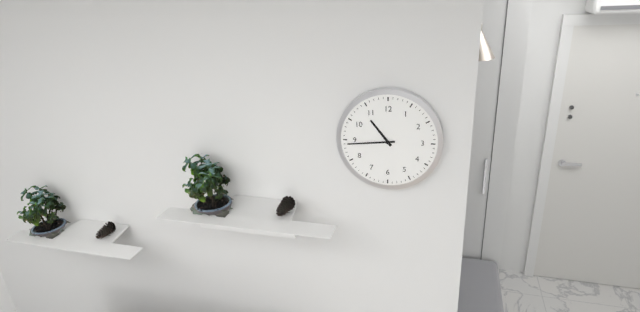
10.44
